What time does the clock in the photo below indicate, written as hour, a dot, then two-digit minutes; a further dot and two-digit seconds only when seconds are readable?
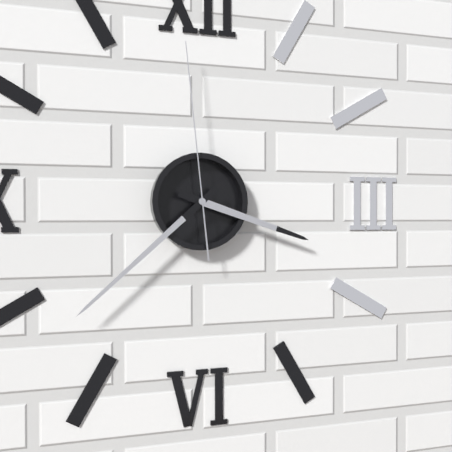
3.38.59
